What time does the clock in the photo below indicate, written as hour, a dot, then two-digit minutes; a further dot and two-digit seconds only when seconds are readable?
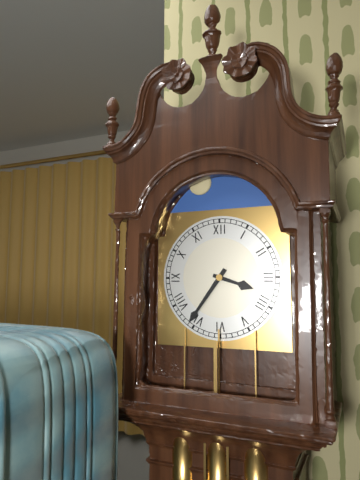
3.36
